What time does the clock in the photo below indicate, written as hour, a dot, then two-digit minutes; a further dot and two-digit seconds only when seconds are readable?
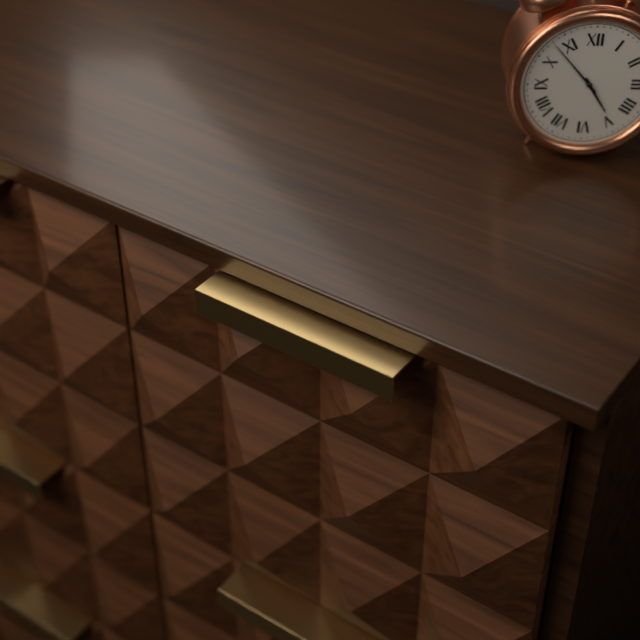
4.53
